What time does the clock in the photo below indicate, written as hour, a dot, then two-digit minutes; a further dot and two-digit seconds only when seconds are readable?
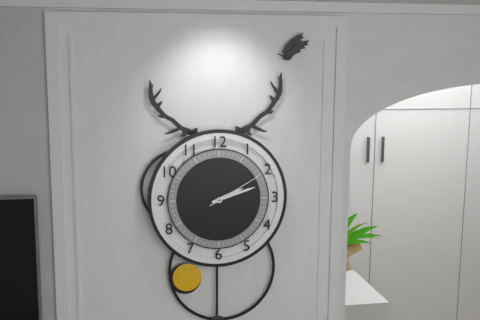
2.12.10
